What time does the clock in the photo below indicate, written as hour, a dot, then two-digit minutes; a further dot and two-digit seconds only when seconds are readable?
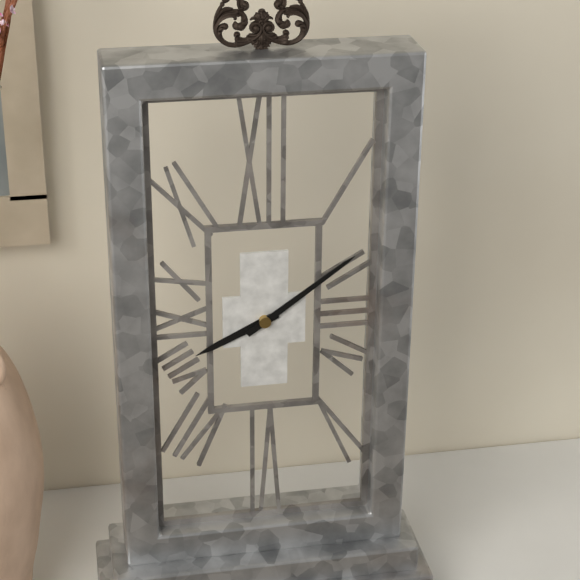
8.09
